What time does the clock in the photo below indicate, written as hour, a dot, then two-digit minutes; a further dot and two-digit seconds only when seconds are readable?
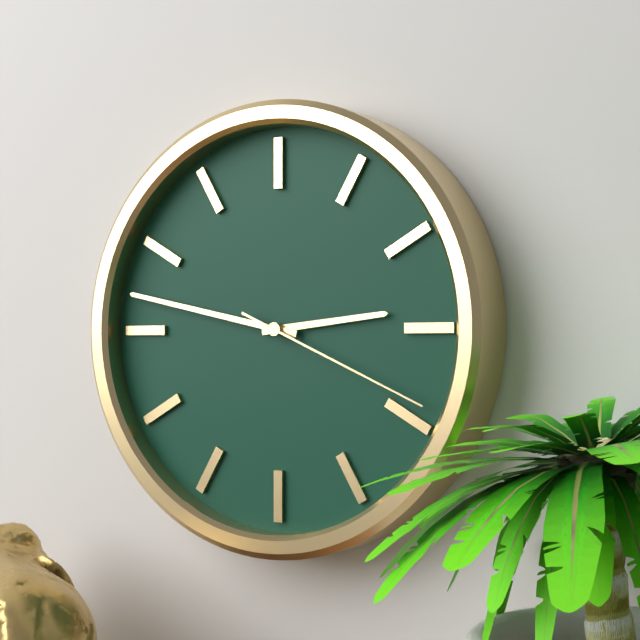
2.47.19
